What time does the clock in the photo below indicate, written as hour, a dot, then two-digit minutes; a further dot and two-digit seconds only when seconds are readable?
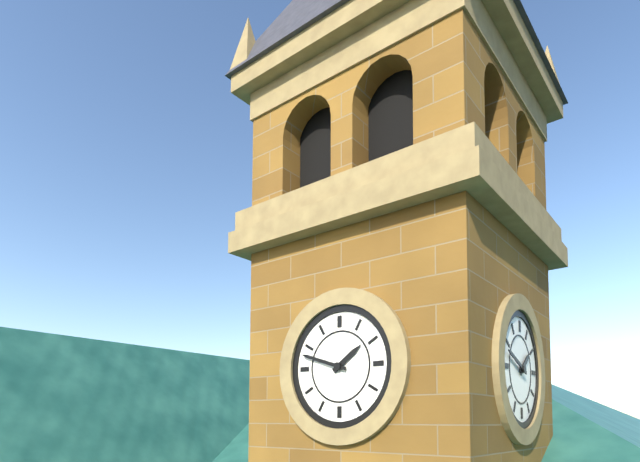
1.48
